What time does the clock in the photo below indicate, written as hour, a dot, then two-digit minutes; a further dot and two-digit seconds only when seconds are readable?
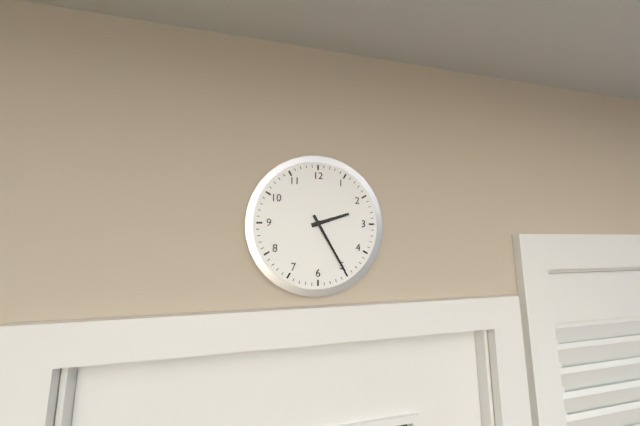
2.25
